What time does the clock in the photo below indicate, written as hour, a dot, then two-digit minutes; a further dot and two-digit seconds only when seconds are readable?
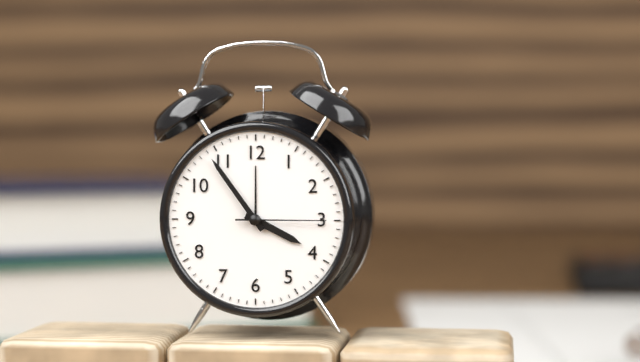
3.54.15
